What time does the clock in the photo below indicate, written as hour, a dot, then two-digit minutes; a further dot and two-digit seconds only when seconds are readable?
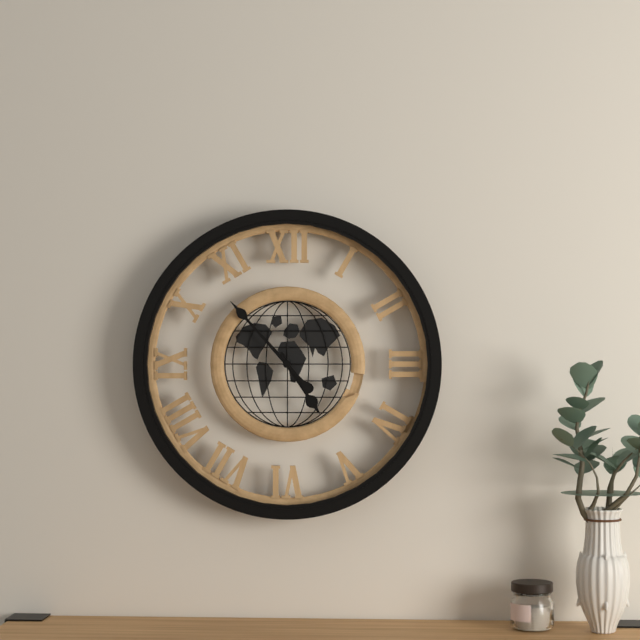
4.53
